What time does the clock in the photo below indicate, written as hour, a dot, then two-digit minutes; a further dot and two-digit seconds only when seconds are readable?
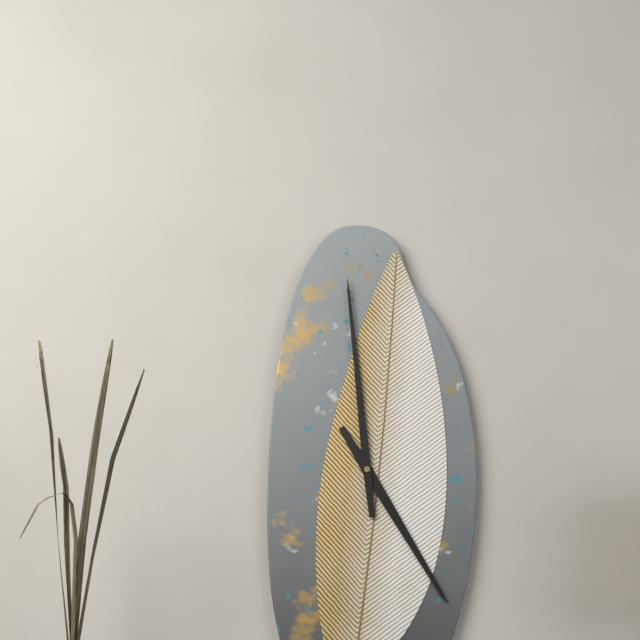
4.59
